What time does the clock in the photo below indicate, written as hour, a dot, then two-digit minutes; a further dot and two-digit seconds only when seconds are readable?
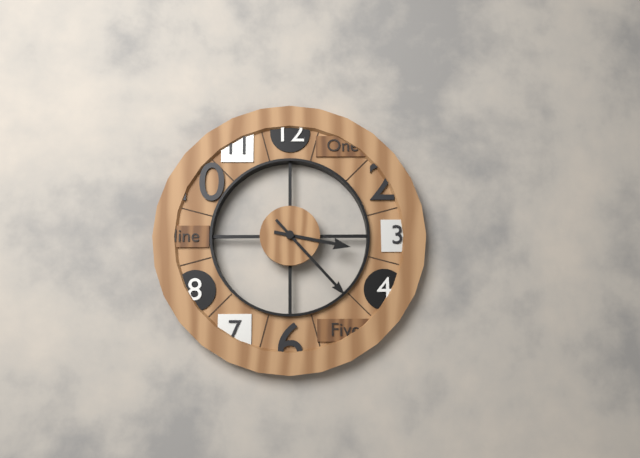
3.23
